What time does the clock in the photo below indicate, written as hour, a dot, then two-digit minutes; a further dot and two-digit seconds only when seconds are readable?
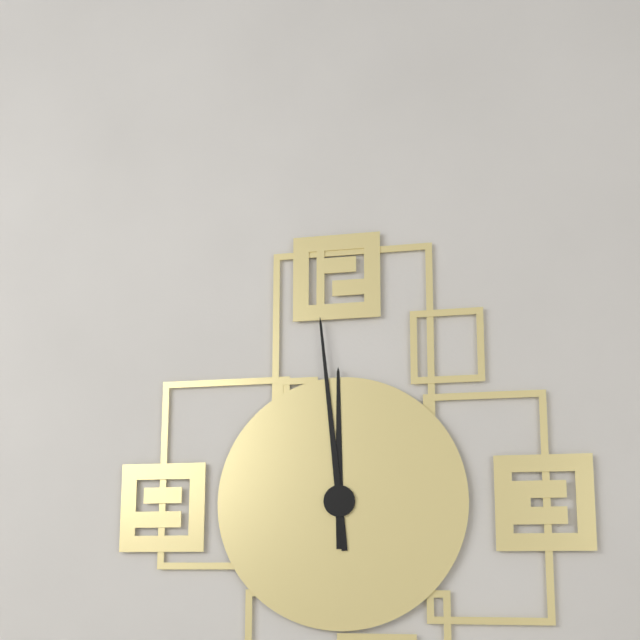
11.59
